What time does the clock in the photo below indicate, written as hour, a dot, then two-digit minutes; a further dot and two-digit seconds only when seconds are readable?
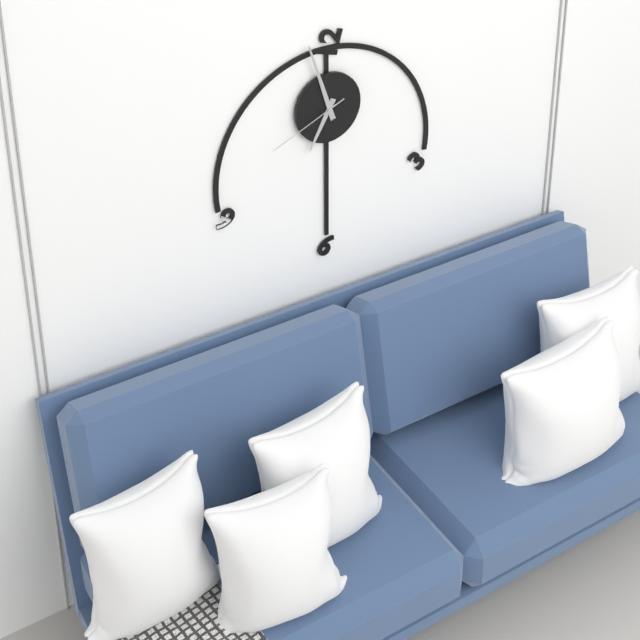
6.57.41
